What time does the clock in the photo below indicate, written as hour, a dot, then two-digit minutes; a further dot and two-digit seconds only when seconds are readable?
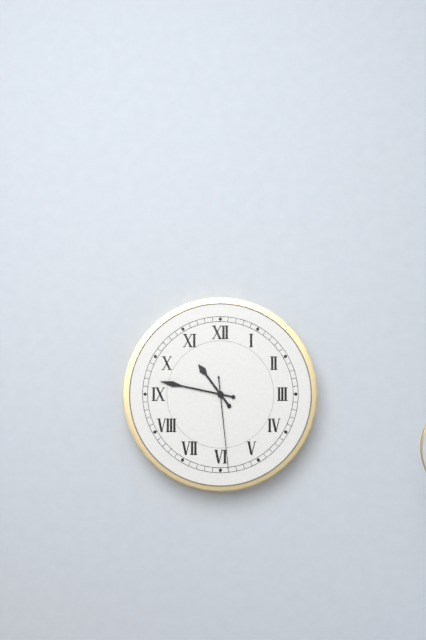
10.47.29
